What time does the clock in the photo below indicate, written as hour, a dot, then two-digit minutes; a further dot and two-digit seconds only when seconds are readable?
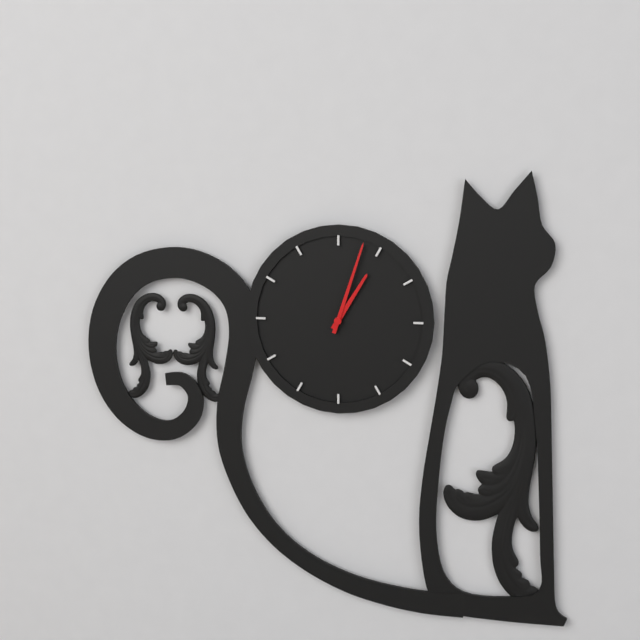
1.03
